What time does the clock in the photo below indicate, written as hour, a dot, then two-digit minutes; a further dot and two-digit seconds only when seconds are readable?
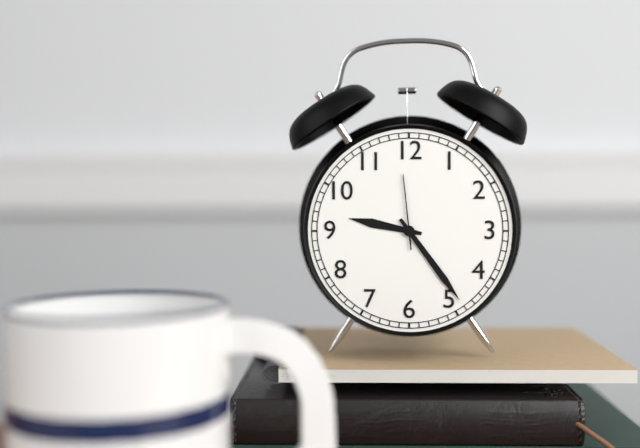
9.24.59
